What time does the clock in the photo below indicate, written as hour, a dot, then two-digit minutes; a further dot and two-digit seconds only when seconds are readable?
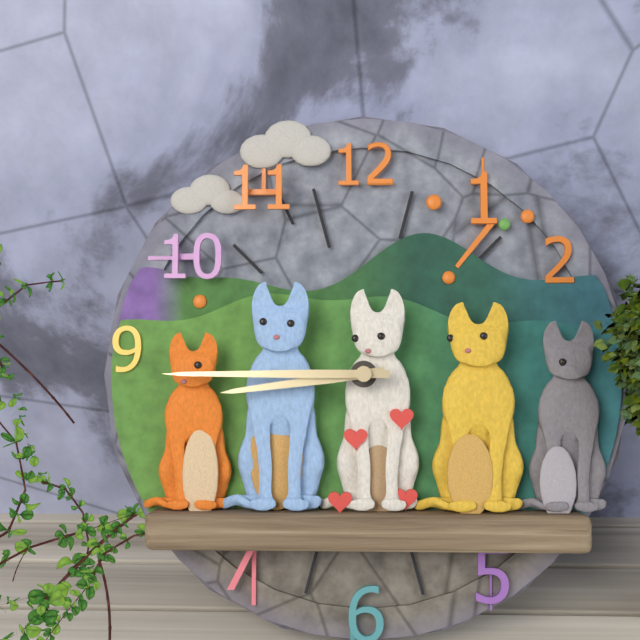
8.45
